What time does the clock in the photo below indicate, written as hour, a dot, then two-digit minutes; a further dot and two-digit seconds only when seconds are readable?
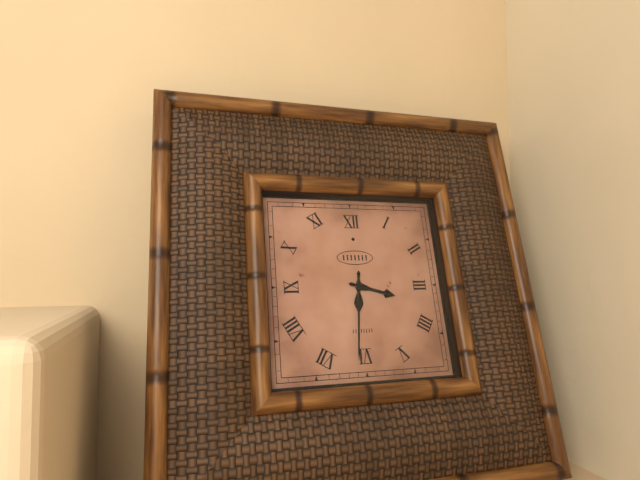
3.31
